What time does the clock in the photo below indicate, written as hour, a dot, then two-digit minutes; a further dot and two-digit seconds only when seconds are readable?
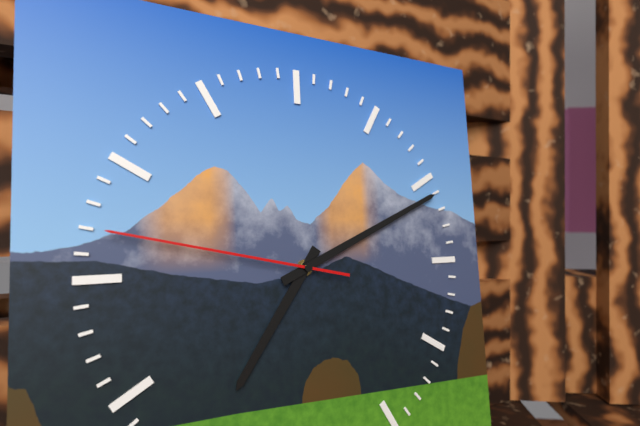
7.11.47
